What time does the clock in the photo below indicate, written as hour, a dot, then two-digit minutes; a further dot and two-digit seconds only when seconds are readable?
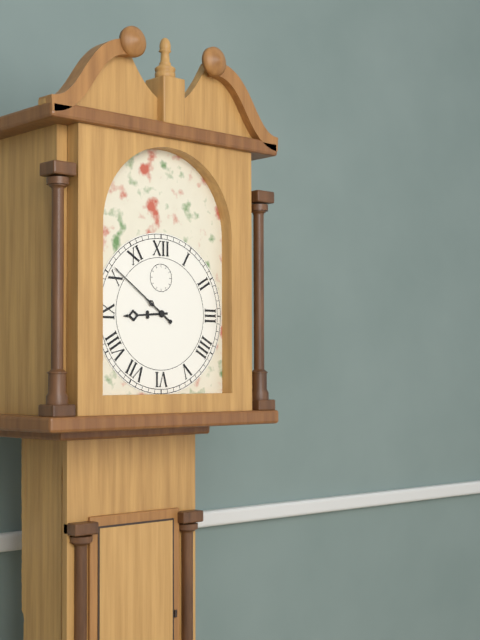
8.51
